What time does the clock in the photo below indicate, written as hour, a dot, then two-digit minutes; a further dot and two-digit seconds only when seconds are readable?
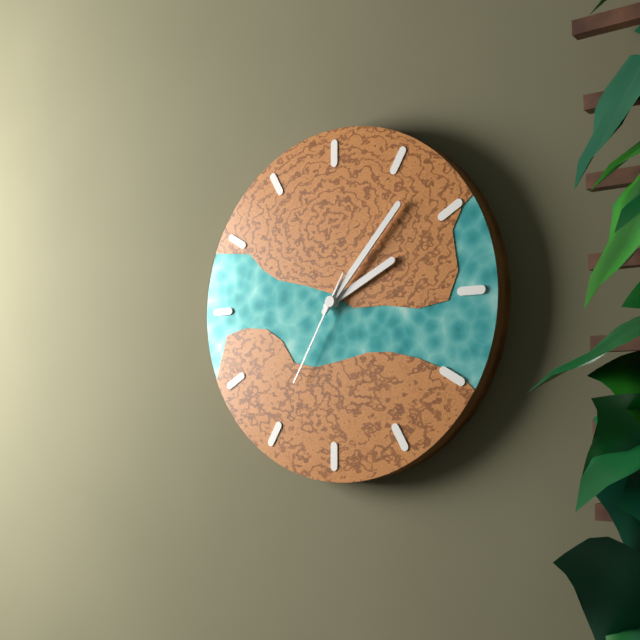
2.07.35
